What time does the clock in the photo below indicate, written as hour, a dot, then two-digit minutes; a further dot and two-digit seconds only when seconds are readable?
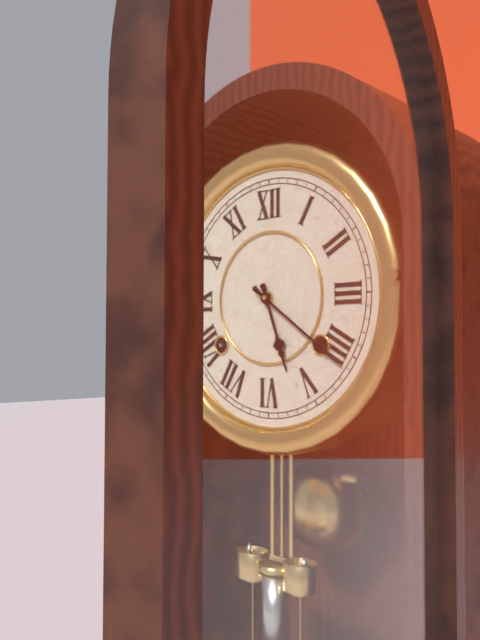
5.21
